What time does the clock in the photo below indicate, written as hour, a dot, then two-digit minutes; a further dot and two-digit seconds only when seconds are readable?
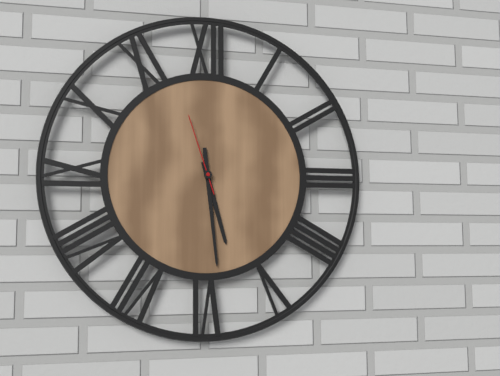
5.29.57
